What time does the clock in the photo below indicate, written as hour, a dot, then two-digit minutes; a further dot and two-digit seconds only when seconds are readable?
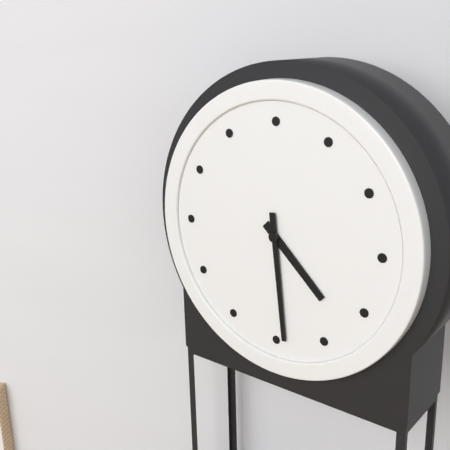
4.29
